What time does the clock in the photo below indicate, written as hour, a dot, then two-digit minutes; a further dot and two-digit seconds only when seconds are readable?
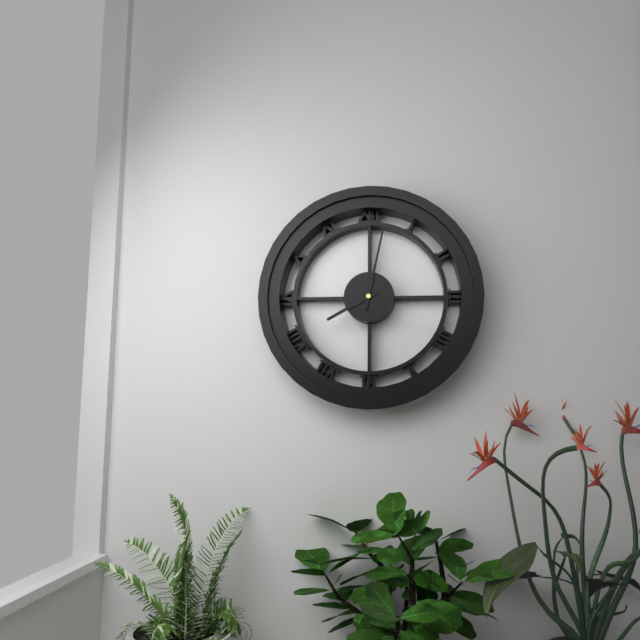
8.02
